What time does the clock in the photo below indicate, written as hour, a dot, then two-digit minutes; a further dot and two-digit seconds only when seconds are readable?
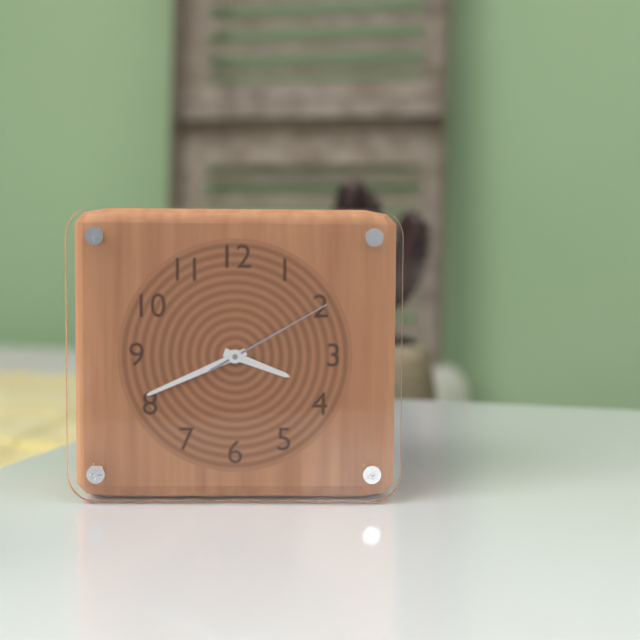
3.41.10
